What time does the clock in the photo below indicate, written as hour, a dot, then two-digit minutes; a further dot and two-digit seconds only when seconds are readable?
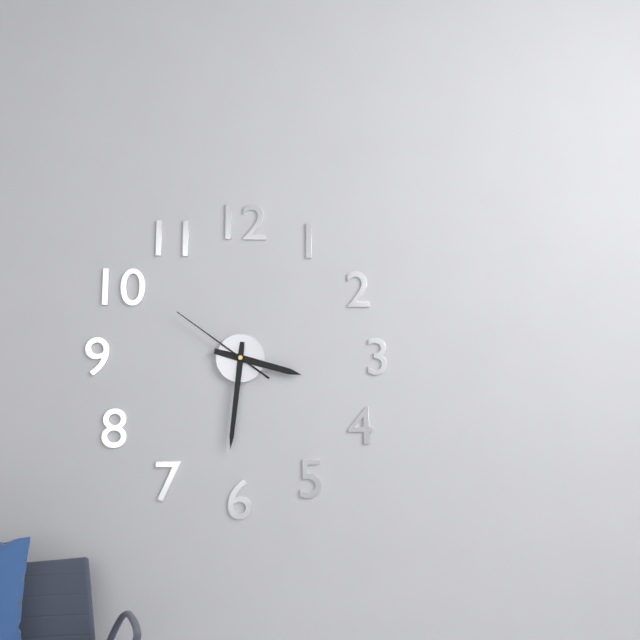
3.31.51
